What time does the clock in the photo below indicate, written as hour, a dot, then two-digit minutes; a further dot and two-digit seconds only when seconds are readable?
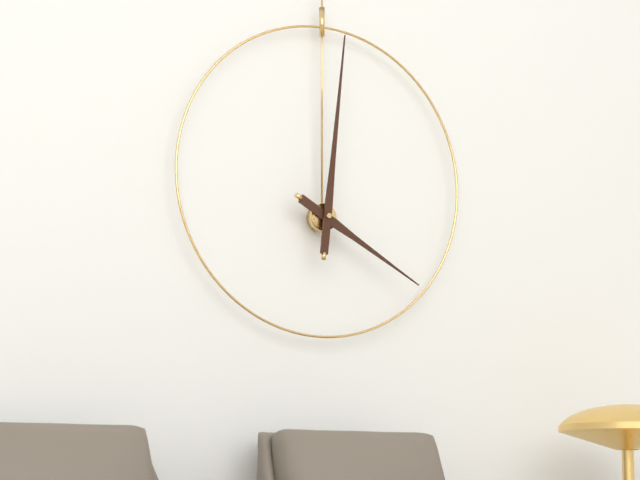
4.01
